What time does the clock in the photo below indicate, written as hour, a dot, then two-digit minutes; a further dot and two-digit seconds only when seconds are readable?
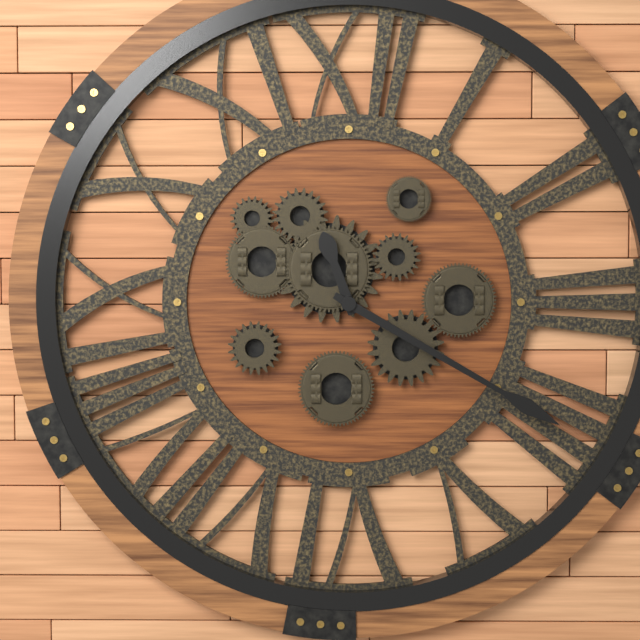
11.20
